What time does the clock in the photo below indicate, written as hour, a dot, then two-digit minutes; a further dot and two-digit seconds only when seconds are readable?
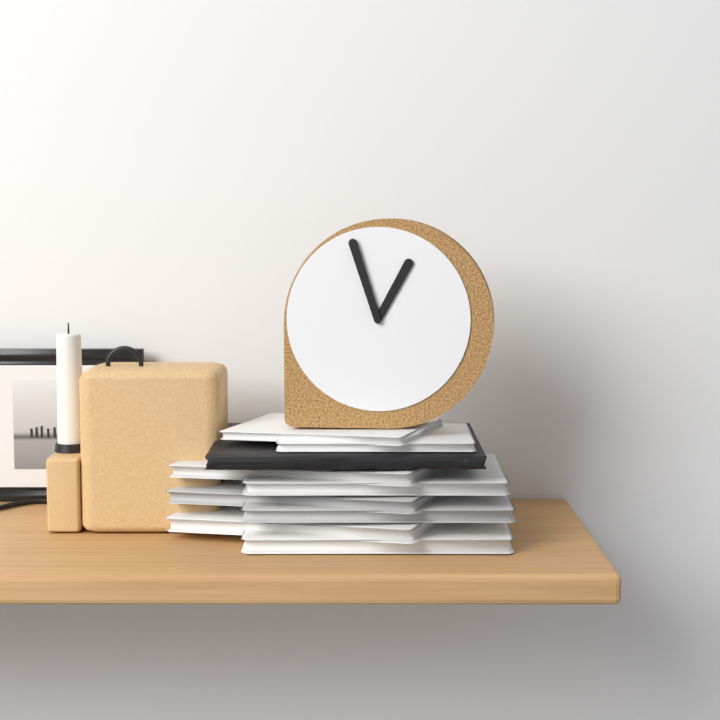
12.57
